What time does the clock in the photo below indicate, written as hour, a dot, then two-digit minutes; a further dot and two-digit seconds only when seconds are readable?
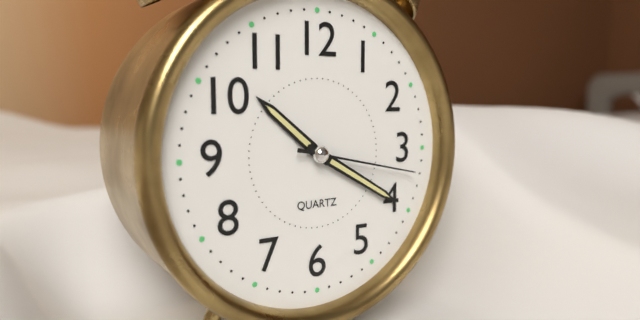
10.20.17
